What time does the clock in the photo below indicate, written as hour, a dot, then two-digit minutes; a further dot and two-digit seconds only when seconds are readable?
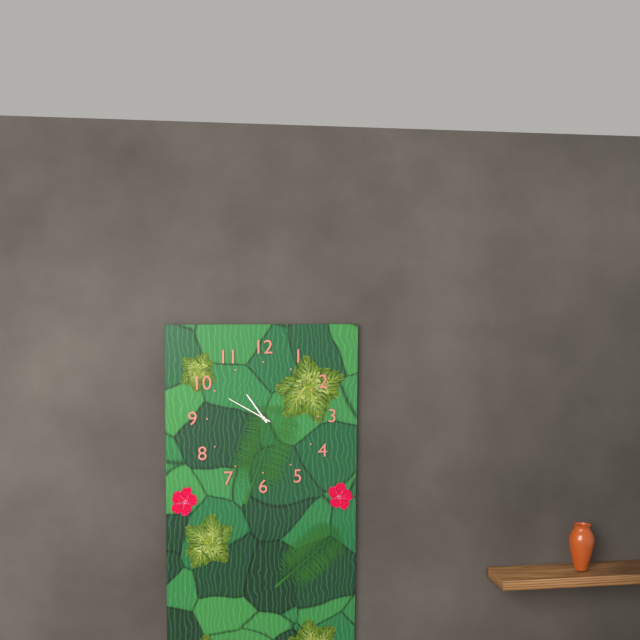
10.50
